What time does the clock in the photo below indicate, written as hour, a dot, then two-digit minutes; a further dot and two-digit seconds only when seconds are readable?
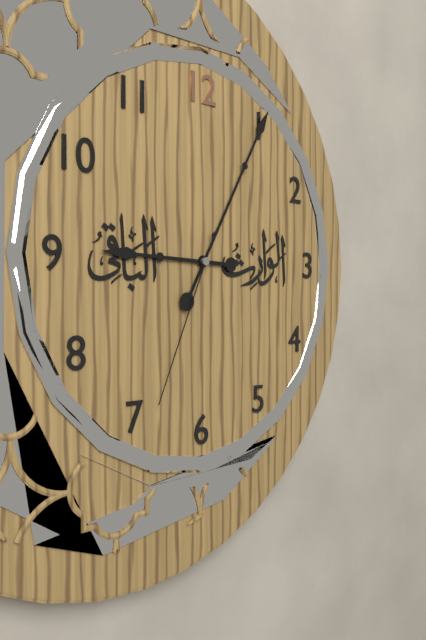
9.05.34
